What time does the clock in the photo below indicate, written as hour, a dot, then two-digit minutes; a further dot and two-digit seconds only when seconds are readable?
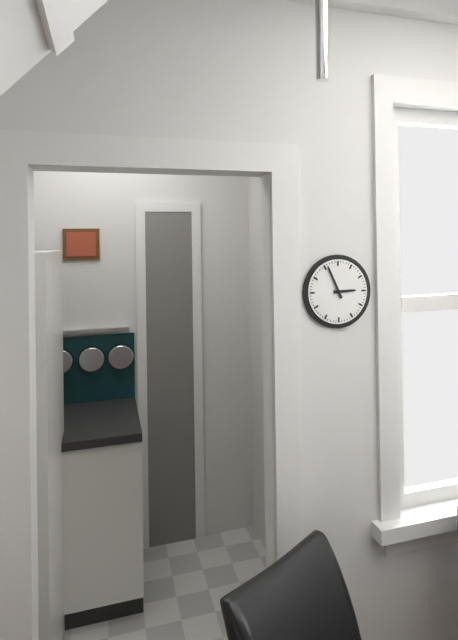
2.56
